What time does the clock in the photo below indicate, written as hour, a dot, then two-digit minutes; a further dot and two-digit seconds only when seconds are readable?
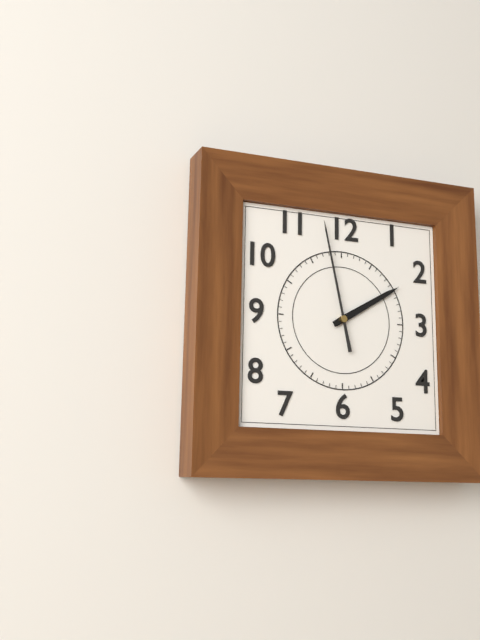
1.58
